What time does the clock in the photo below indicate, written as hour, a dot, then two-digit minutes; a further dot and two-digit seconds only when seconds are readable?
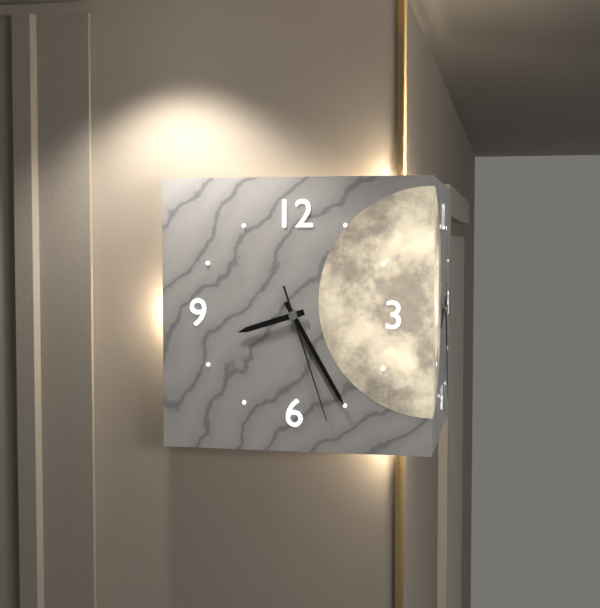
8.25.27
